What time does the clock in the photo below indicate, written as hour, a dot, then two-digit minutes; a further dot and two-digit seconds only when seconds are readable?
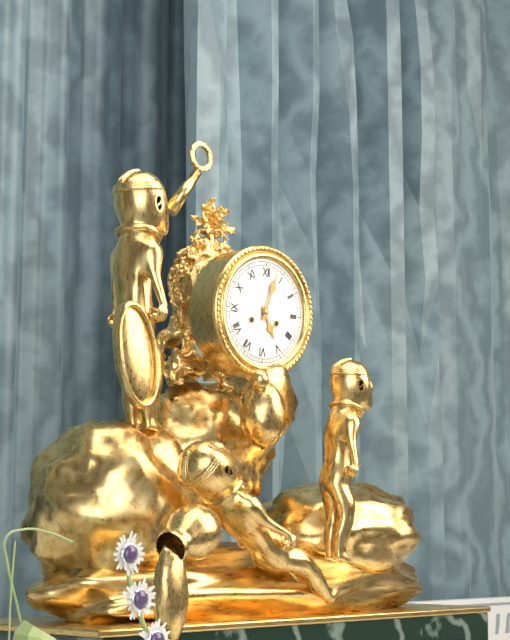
5.03
